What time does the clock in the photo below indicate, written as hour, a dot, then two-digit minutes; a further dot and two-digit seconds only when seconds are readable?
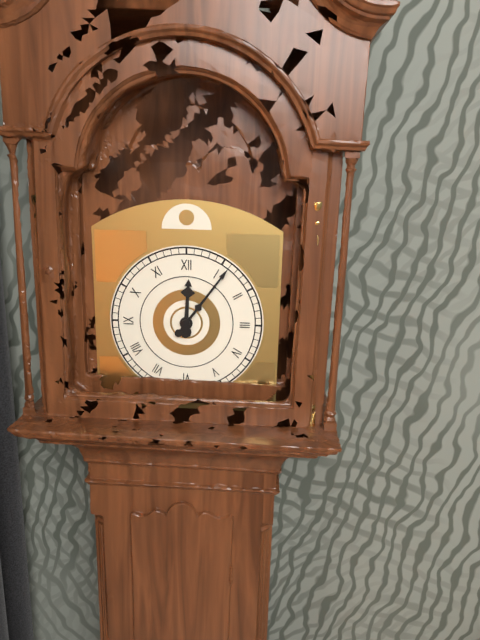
12.06
